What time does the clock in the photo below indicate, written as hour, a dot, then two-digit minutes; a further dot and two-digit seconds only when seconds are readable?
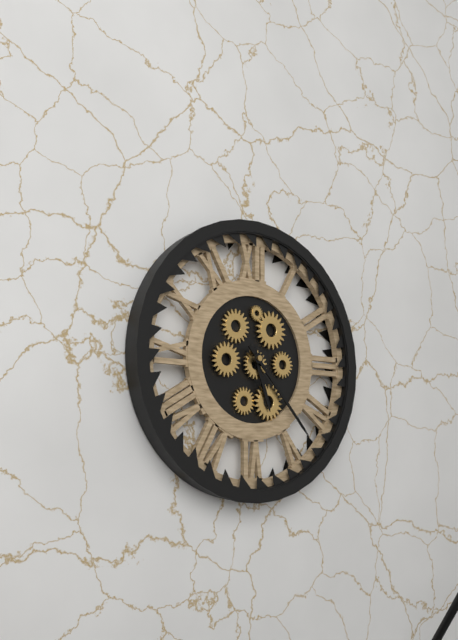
5.23
